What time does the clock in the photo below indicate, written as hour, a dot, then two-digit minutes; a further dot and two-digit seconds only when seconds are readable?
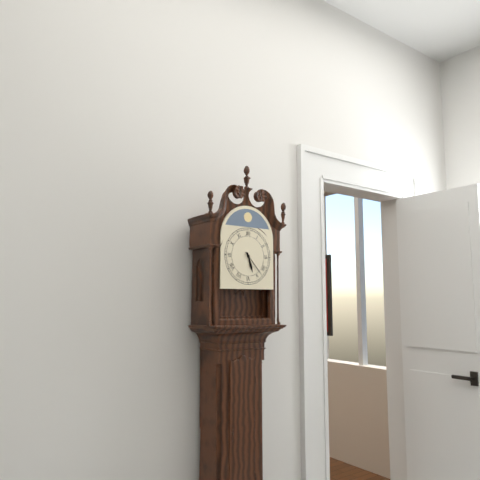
5.23
